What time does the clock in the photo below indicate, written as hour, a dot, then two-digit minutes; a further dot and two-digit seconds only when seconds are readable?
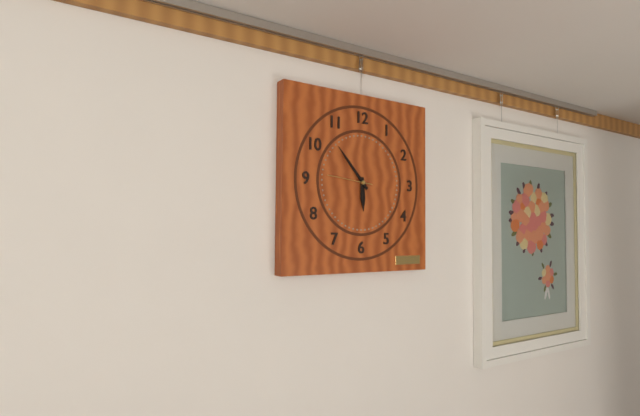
5.53
